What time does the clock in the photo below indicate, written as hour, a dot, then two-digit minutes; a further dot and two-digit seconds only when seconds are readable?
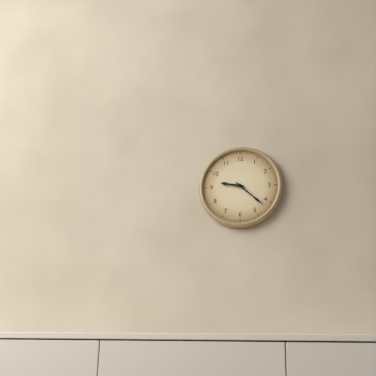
9.22
